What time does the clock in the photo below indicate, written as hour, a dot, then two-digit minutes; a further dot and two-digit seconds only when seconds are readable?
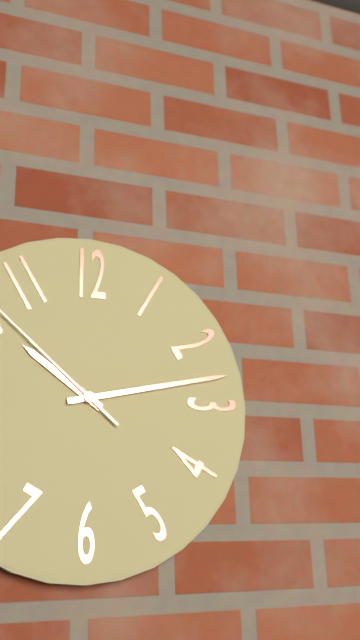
10.13
